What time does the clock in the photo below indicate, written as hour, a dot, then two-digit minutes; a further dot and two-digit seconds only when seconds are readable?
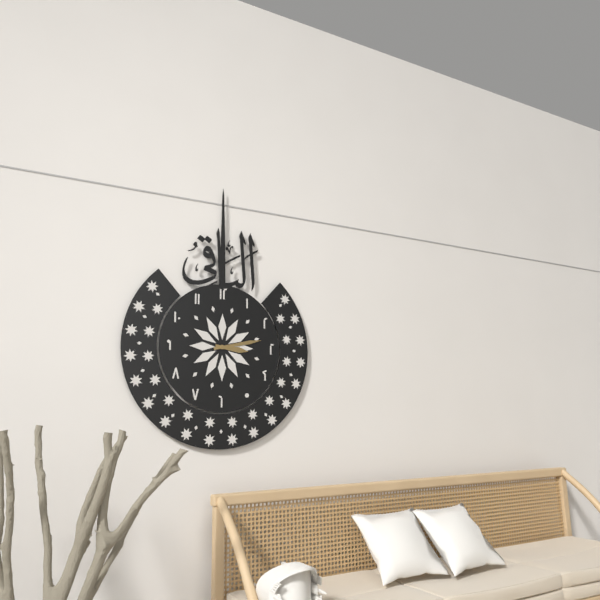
3.13
